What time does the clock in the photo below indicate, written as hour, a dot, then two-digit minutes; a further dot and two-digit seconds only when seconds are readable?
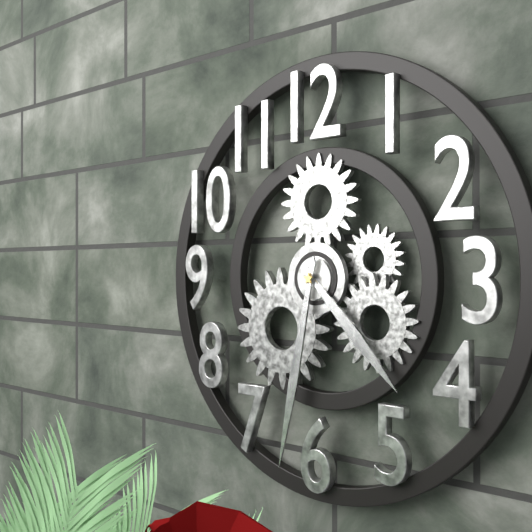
4.32
